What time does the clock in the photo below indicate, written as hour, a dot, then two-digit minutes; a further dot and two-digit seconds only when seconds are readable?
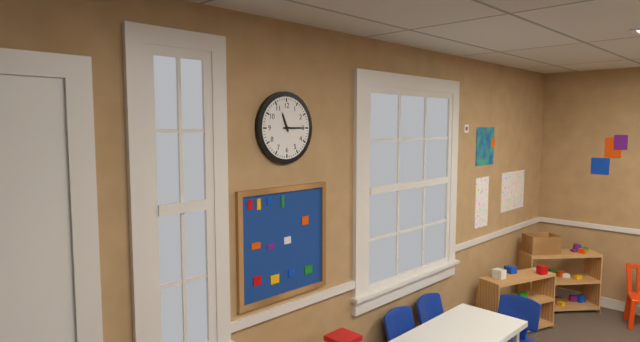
11.15
